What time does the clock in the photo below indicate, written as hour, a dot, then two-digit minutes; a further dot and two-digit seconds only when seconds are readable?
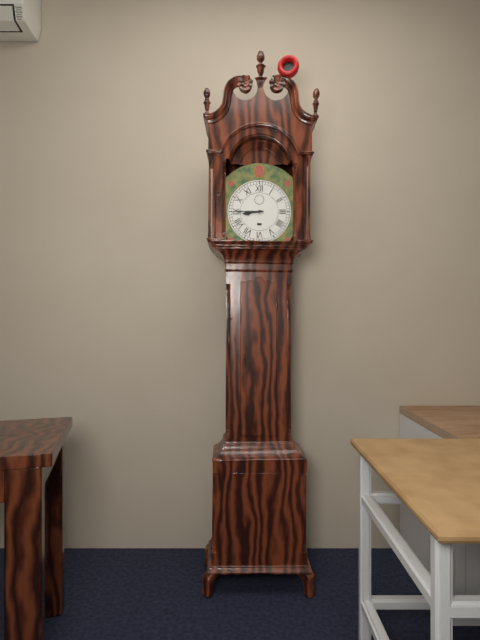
8.45
